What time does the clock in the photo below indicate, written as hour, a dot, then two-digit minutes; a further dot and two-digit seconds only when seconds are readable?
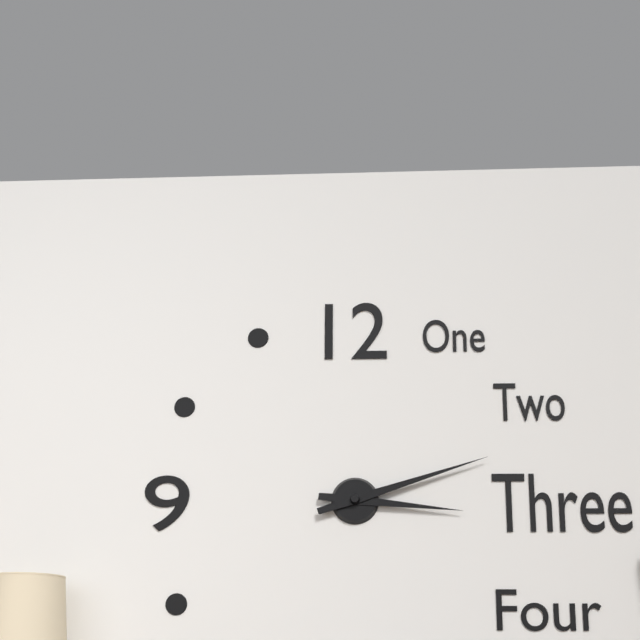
3.12
